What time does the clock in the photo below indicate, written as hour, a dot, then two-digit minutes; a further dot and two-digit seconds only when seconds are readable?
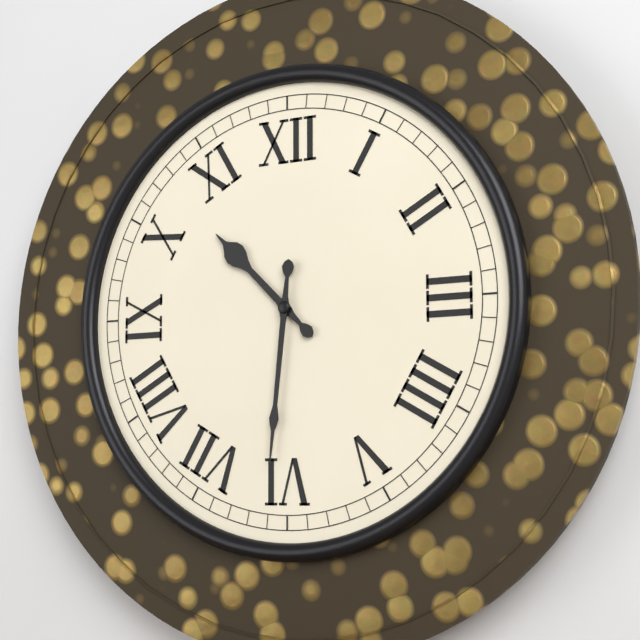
10.31
